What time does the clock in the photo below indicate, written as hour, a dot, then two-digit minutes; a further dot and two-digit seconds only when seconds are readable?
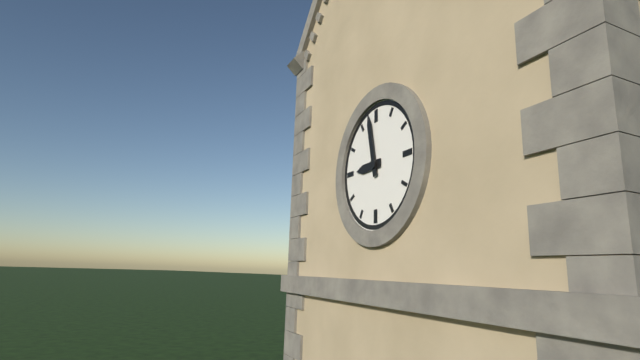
8.58
